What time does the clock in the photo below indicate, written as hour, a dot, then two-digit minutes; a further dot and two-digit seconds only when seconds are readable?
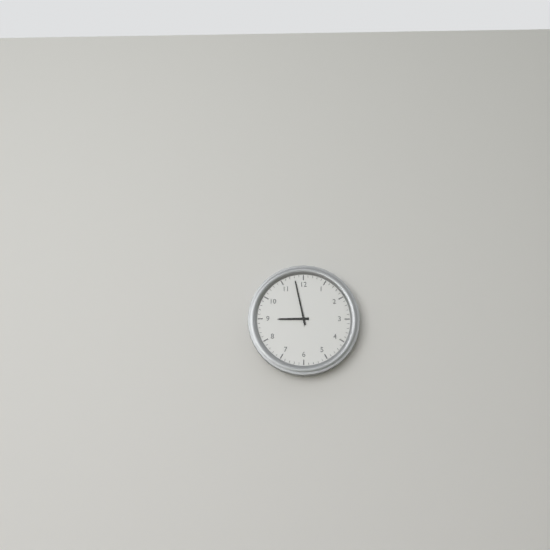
8.58
